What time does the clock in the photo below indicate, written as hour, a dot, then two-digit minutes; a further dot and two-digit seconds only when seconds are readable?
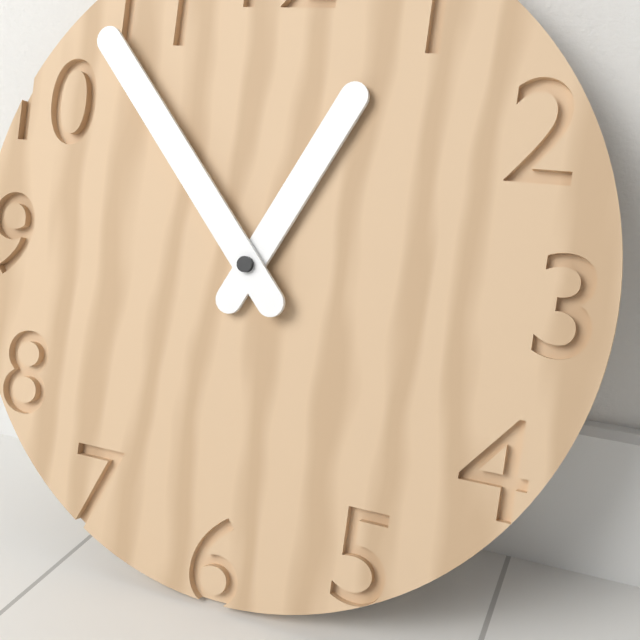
12.53
